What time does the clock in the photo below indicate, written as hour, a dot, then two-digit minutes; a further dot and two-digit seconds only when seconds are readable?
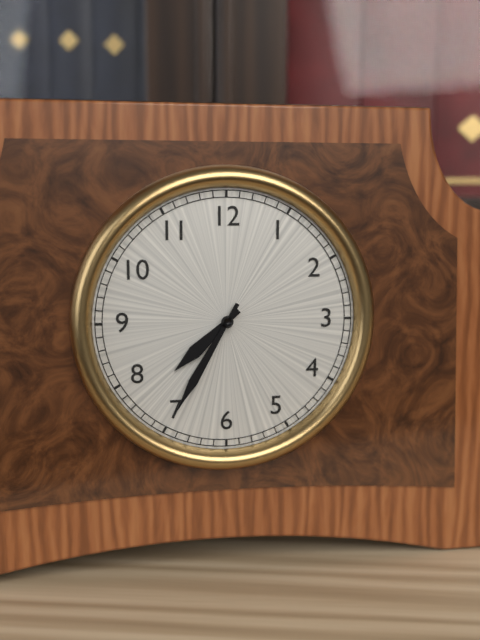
7.35
